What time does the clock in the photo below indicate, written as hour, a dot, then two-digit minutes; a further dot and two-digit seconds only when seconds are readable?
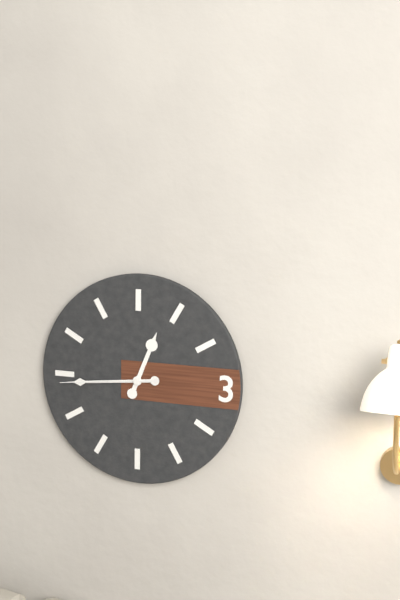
12.44.44
